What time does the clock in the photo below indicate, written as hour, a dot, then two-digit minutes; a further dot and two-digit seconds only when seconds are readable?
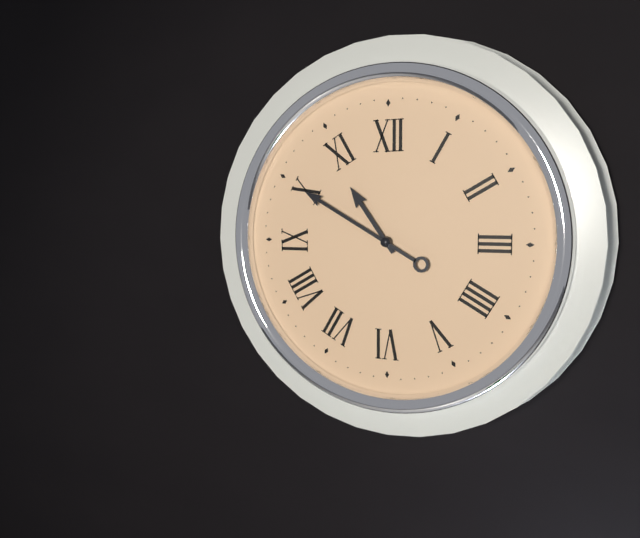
10.50
